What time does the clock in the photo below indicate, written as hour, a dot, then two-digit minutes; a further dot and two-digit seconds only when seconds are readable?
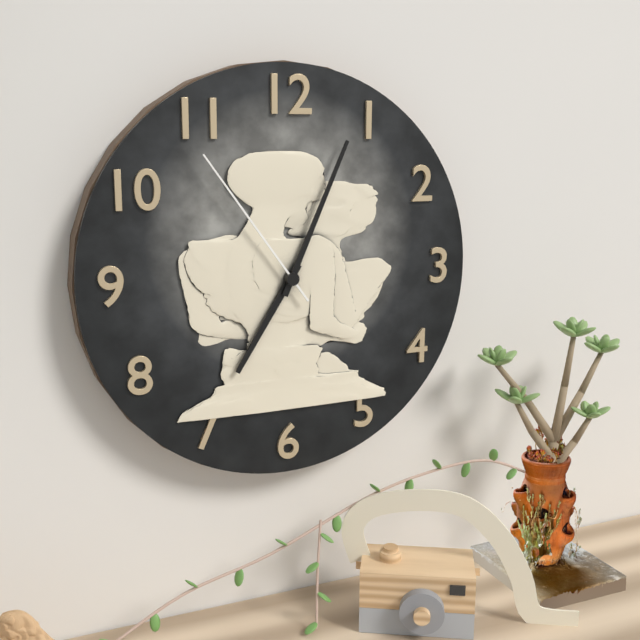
7.04.54
